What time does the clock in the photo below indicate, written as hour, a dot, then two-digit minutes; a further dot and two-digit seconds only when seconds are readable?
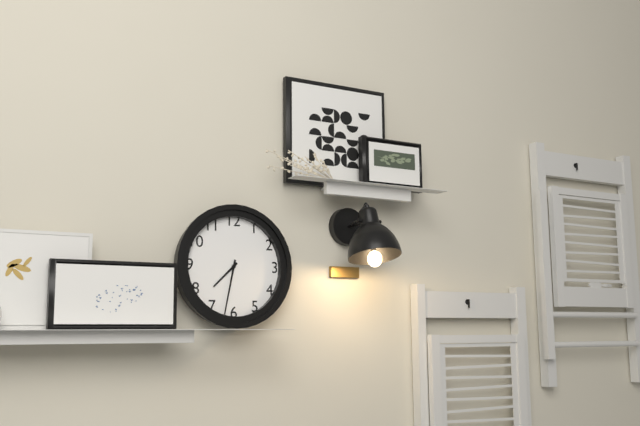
7.32
